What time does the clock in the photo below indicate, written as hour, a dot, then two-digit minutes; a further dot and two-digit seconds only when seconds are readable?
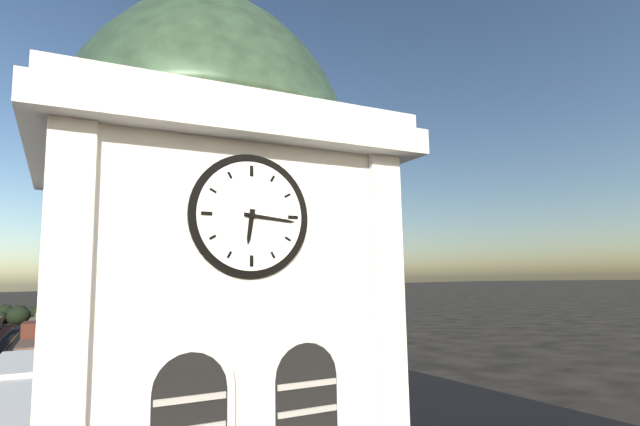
6.16
